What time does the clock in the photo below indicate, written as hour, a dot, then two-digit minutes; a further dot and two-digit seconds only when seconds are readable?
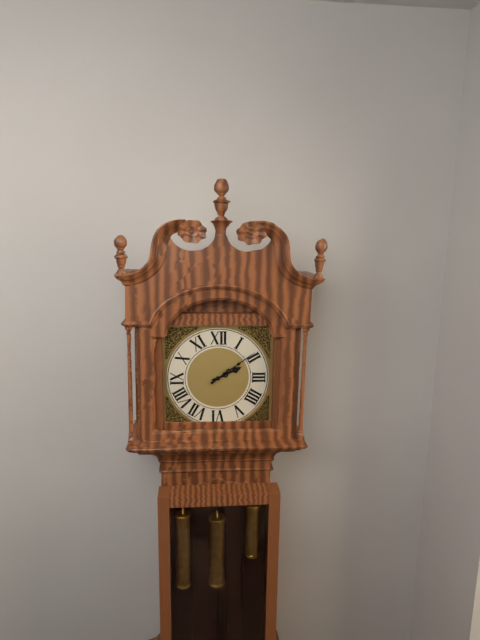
2.09
